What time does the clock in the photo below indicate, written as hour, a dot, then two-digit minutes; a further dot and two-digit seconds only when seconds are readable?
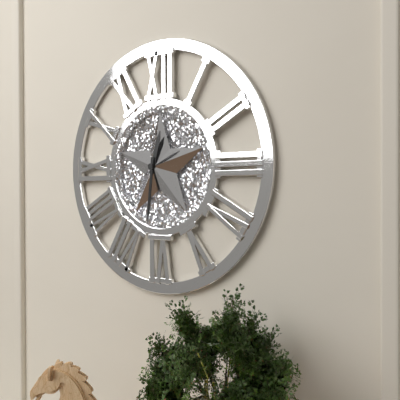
12.31
